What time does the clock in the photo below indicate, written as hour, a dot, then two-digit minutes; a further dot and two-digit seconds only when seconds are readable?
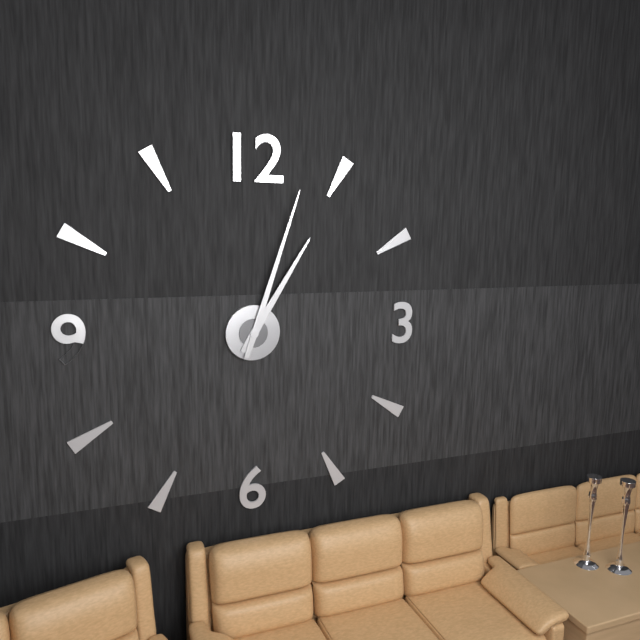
1.03
